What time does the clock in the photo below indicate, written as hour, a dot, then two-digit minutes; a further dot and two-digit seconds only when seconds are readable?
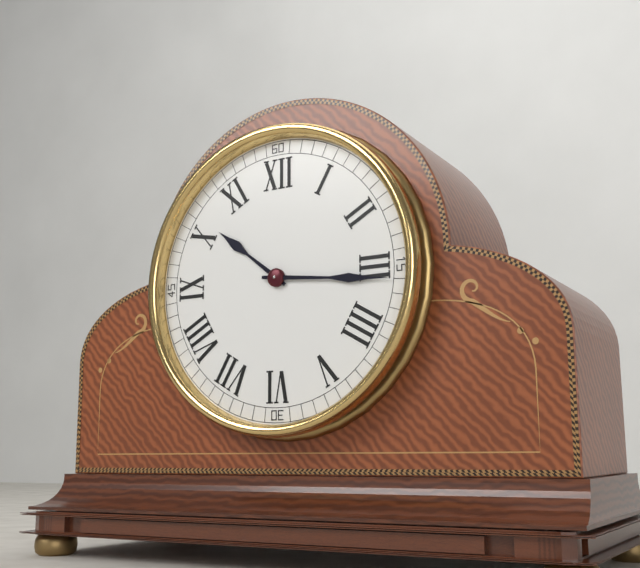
10.16
